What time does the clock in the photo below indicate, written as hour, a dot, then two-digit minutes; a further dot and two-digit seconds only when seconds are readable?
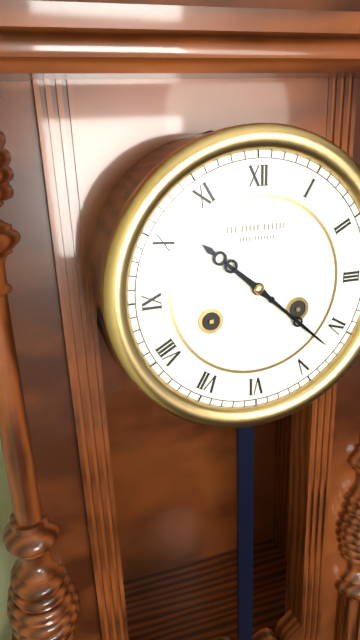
10.22
